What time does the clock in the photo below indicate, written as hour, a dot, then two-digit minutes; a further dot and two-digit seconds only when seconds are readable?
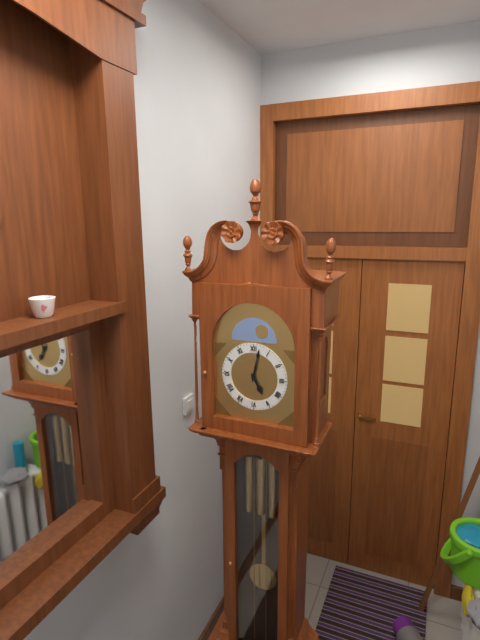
5.02
